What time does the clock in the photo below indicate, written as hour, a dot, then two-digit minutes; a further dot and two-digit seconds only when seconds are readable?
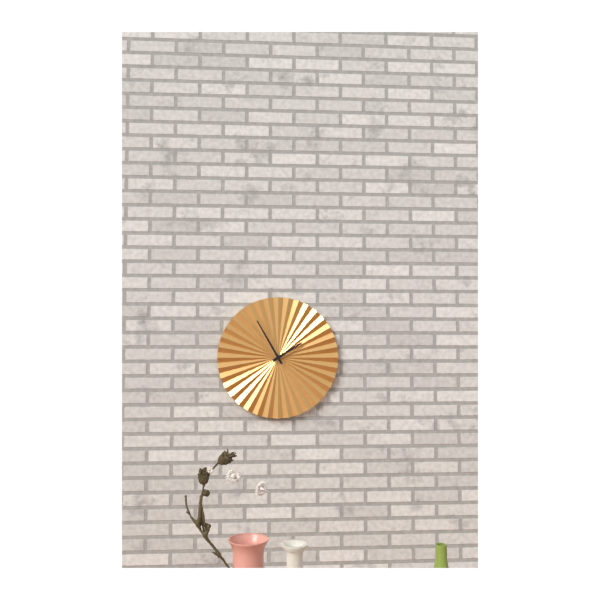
1.55
